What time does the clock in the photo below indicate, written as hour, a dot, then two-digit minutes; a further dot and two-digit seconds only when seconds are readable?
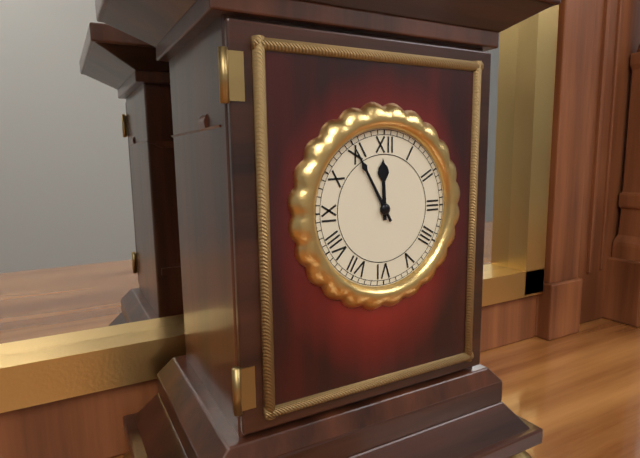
11.55
